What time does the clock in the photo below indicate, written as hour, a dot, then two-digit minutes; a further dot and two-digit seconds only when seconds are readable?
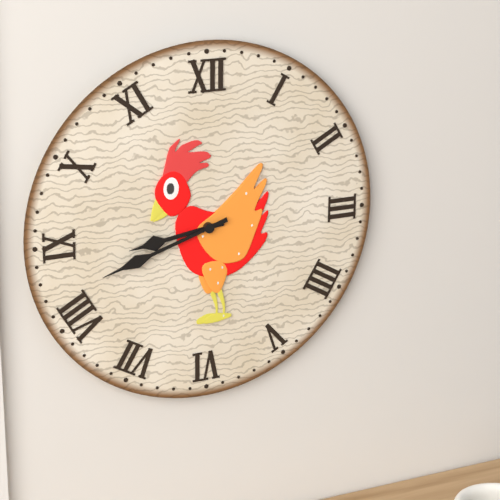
8.42
